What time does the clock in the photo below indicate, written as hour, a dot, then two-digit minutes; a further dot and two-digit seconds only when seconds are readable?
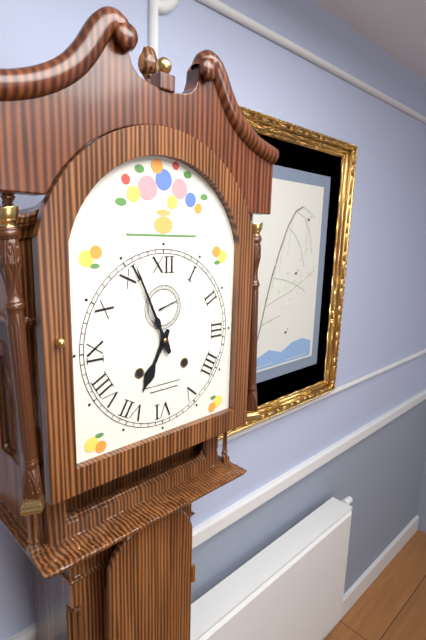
6.56
